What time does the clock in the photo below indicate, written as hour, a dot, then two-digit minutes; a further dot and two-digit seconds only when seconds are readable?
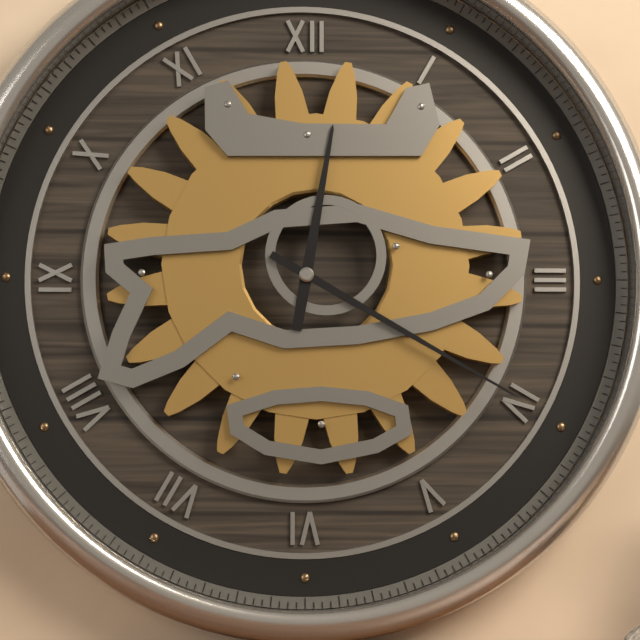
12.20
